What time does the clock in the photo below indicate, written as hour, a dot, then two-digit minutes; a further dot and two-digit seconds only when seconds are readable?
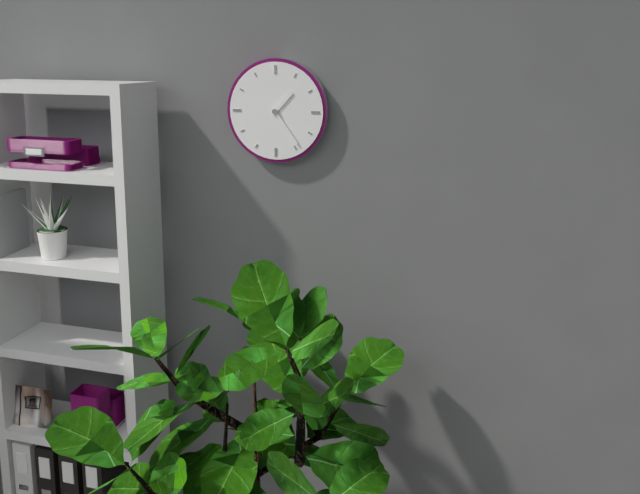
1.24
